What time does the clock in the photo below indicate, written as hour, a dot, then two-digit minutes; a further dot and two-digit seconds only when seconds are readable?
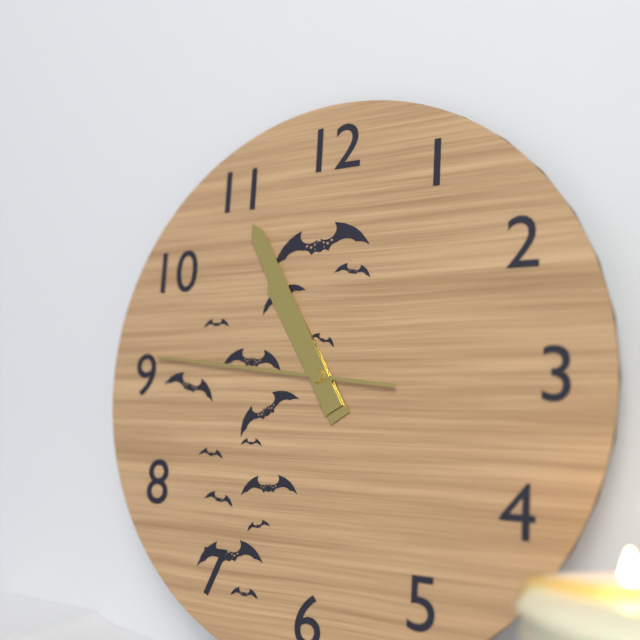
10.55.46
